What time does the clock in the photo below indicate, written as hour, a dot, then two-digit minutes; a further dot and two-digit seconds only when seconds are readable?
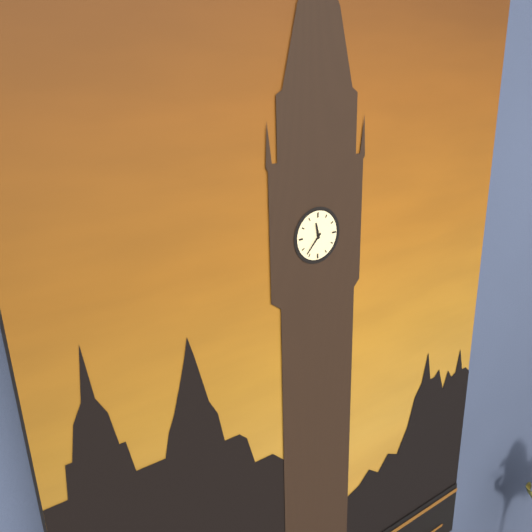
11.37
